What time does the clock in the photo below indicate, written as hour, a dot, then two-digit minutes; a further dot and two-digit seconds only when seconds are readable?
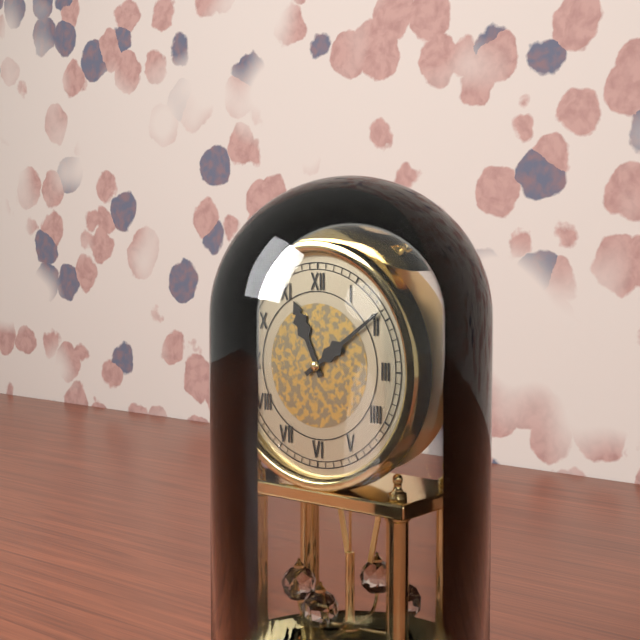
11.09
